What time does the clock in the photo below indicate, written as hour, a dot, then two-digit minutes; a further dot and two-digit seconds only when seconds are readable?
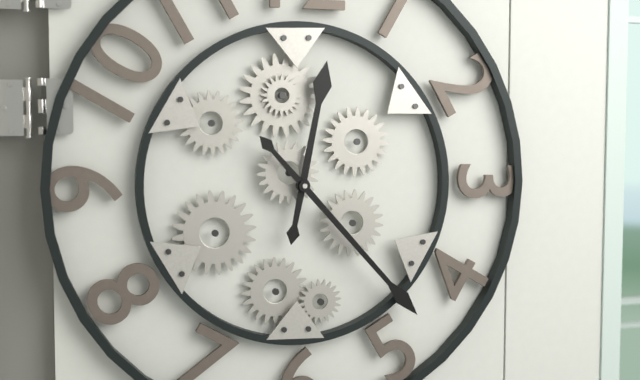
12.23
